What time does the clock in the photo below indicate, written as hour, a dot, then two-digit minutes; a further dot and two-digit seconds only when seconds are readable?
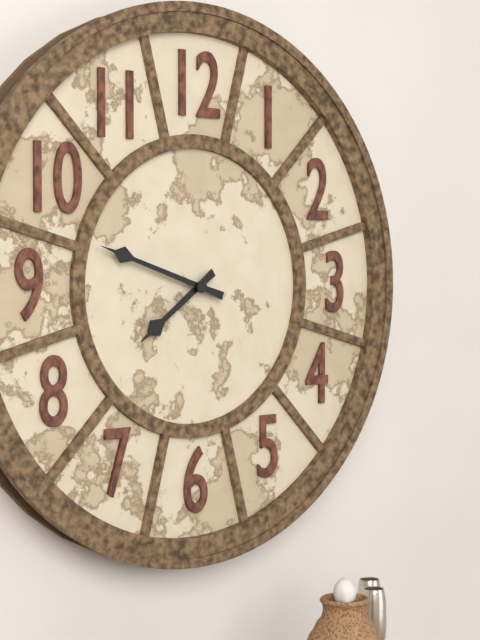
7.48
